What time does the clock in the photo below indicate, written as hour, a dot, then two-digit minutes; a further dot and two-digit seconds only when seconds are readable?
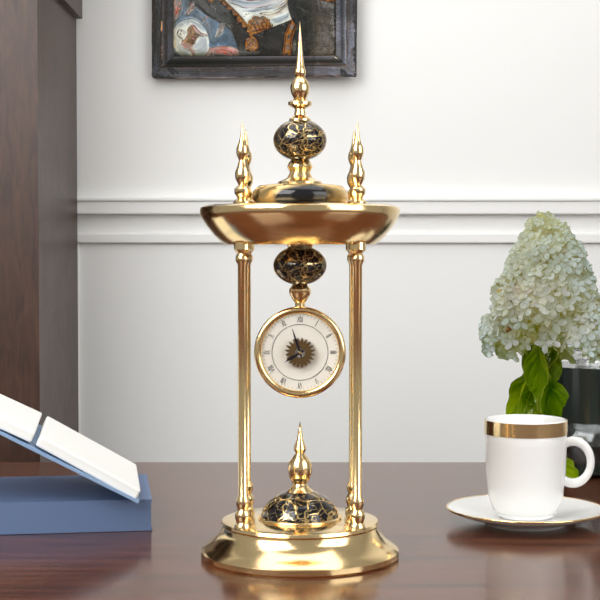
7.57
